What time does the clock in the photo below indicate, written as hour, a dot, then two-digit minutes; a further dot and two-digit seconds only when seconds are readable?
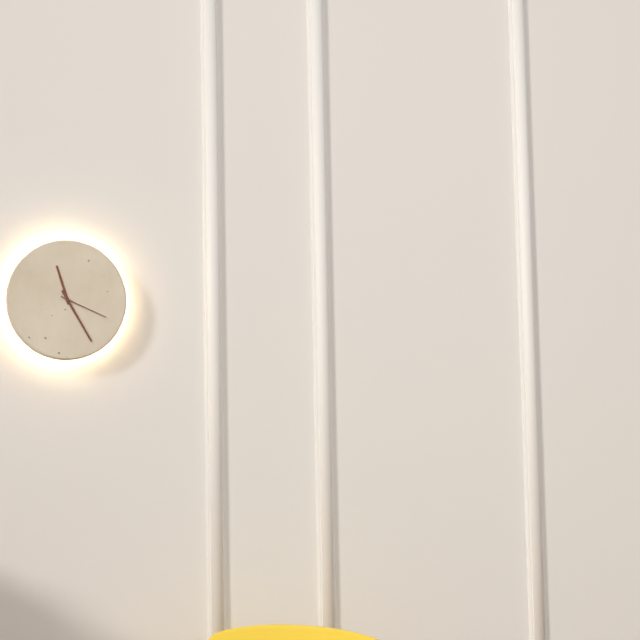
11.25.19
